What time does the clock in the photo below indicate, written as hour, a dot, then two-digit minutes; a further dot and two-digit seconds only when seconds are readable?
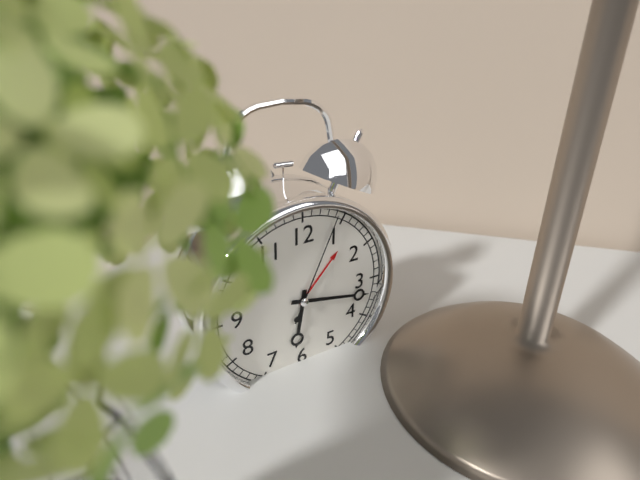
6.17.04
